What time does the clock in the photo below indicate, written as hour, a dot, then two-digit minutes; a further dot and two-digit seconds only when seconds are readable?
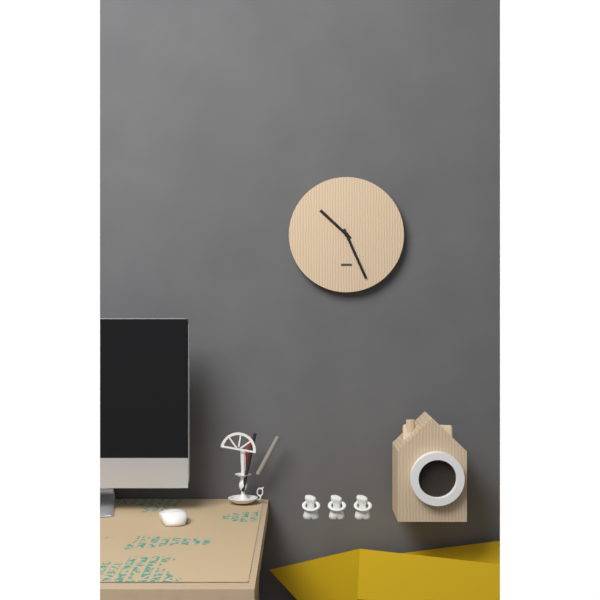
10.26
